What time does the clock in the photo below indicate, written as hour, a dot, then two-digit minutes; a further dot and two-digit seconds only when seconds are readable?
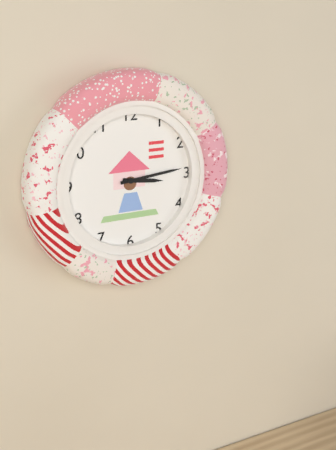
3.14
